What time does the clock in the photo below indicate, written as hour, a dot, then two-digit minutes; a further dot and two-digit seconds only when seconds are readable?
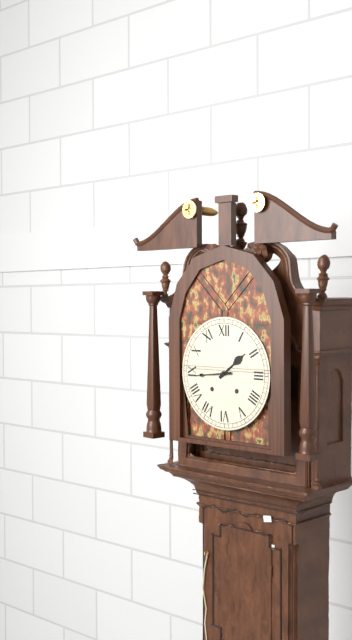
1.44
